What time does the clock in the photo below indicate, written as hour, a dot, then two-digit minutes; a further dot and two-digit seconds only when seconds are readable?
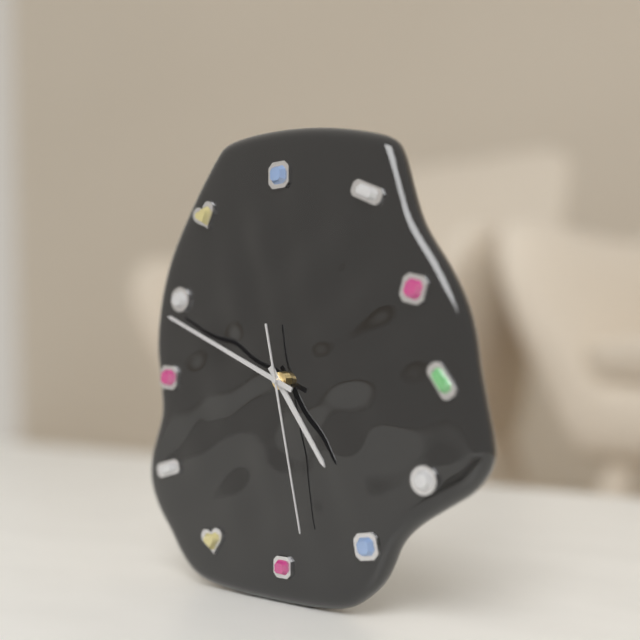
4.49.28
